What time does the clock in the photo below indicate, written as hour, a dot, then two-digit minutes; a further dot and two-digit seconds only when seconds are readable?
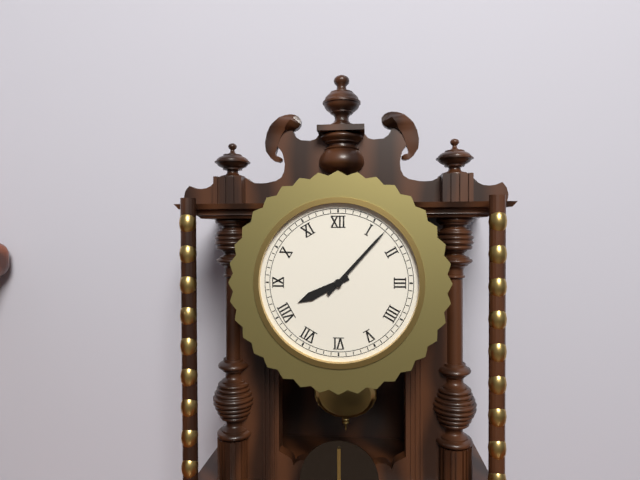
8.07
